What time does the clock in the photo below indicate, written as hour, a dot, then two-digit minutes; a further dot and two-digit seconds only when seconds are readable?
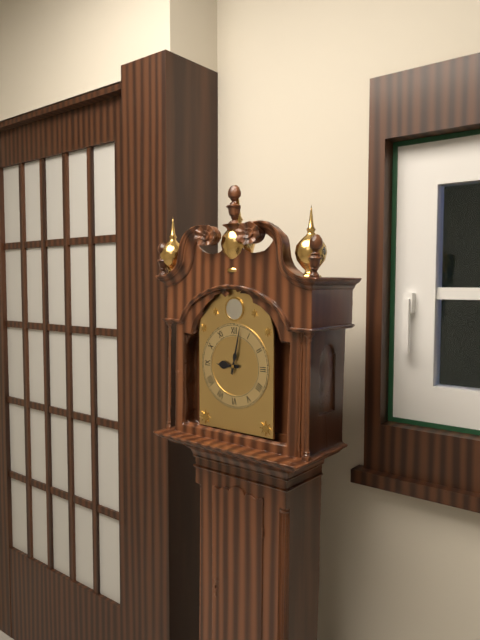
9.02
